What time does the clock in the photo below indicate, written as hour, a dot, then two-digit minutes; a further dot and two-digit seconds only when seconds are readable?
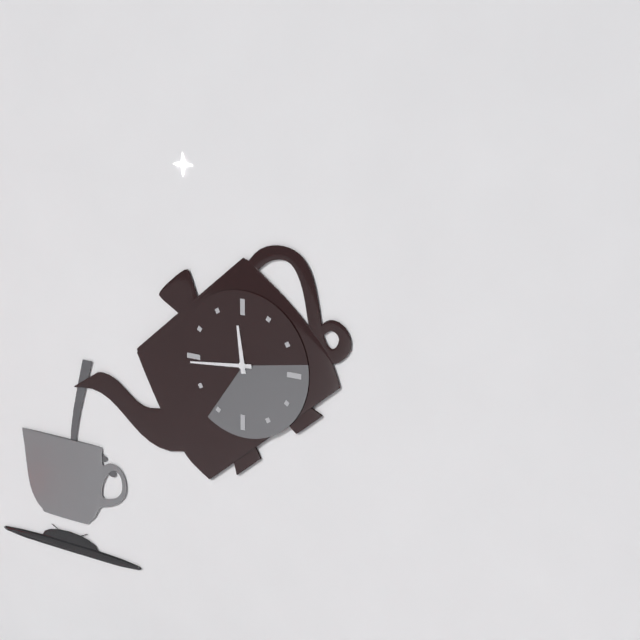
11.44
